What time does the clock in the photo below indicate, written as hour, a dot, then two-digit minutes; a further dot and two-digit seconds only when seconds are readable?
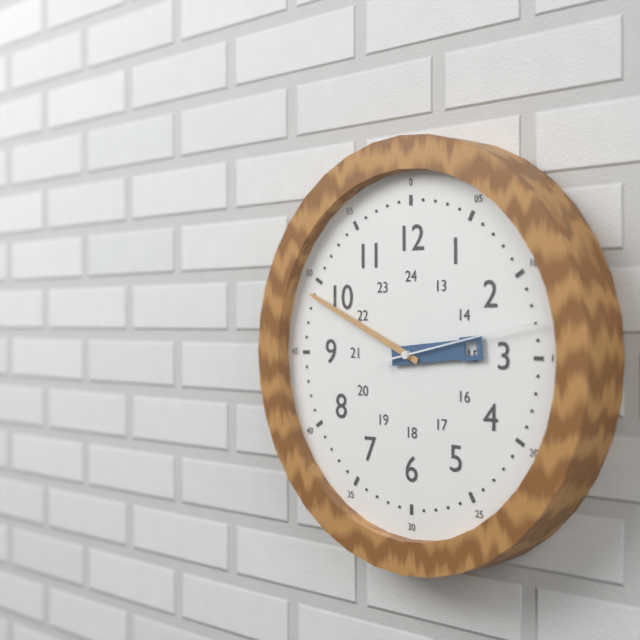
2.49.13
